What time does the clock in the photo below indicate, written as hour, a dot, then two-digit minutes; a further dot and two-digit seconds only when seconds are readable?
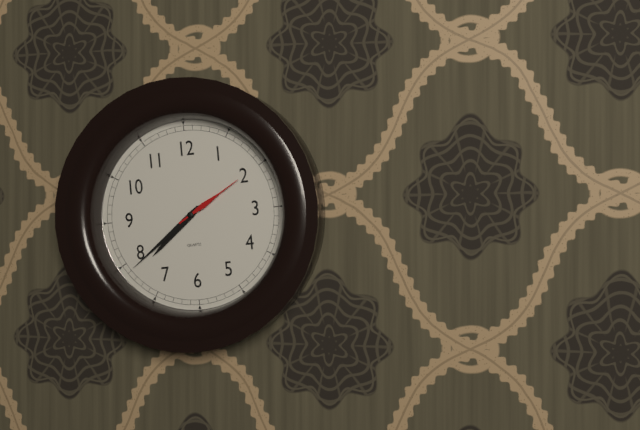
7.39.10
